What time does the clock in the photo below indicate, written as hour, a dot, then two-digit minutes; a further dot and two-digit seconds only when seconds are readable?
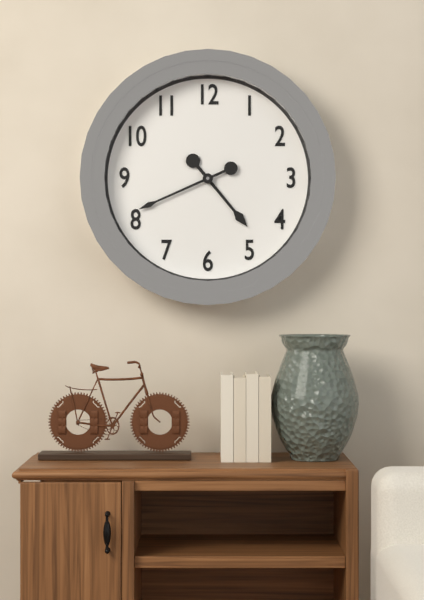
4.41
